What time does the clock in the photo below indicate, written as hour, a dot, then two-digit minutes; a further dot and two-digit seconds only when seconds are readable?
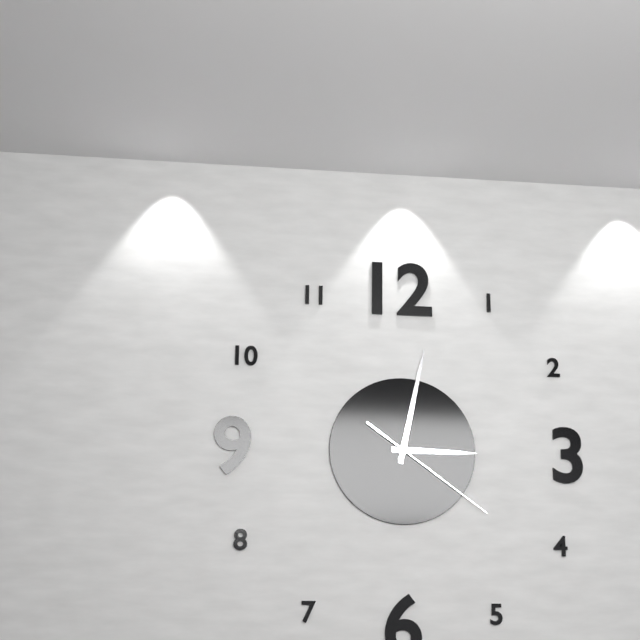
3.02.21
